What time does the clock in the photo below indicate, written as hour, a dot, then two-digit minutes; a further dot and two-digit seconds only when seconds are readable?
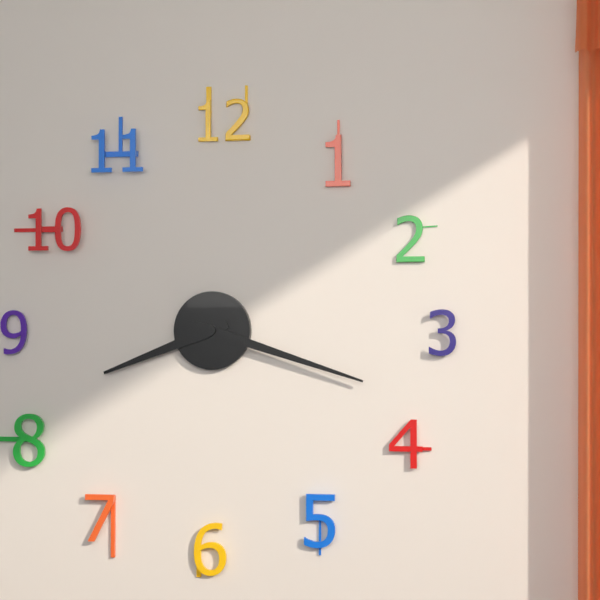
8.18
